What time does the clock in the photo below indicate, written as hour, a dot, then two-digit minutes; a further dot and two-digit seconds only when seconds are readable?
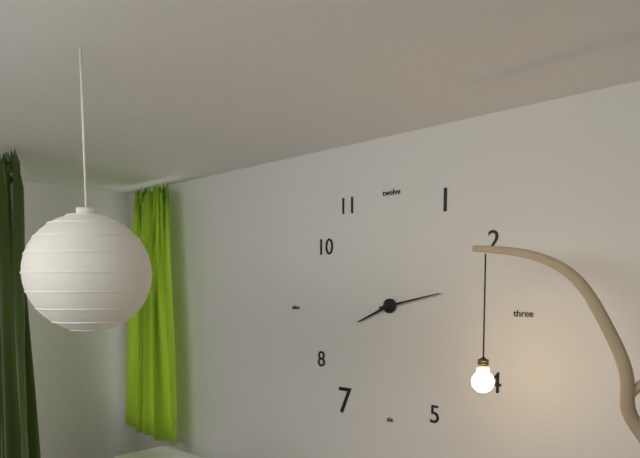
8.13
